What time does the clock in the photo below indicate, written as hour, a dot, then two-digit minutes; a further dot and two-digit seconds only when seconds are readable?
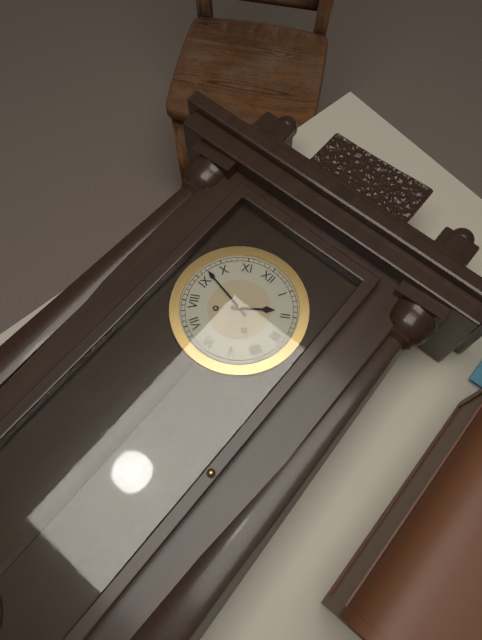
1.47
